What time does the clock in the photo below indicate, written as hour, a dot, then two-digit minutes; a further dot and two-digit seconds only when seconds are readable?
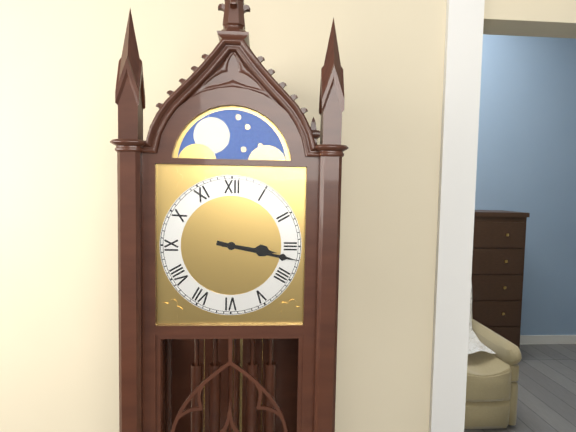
3.17
